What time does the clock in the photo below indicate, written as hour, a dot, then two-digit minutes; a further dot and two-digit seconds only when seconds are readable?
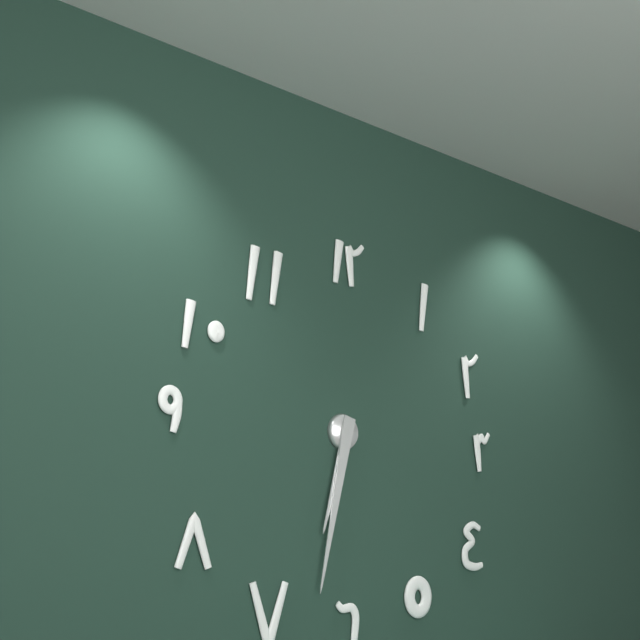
6.32
